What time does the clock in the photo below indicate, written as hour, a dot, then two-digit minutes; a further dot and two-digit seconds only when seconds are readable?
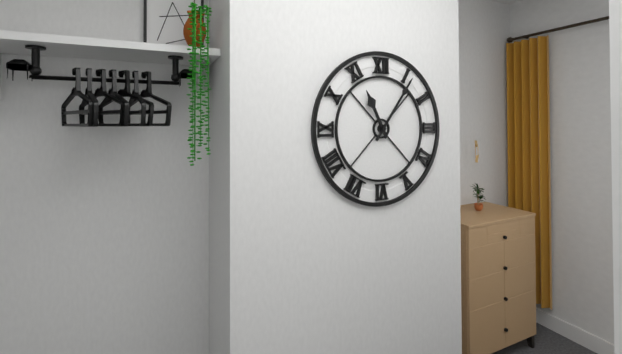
11.06
